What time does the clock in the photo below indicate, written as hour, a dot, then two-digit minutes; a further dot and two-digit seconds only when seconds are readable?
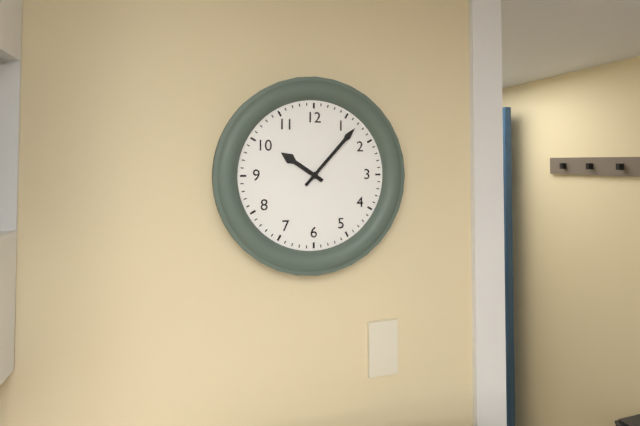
10.07
